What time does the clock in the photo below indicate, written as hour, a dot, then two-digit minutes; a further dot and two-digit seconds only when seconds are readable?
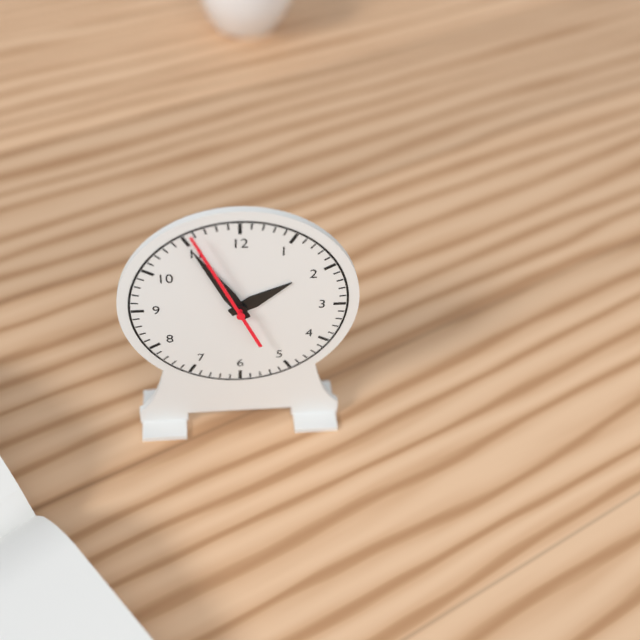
1.55.56
